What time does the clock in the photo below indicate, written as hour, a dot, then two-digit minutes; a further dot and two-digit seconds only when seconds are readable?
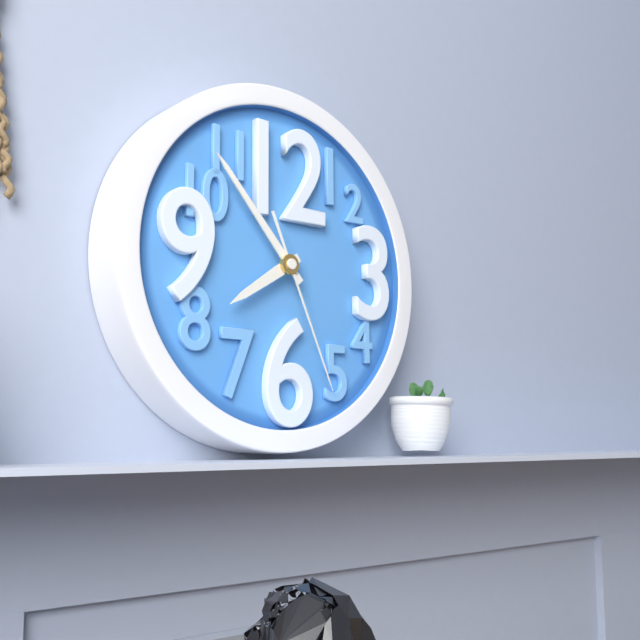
7.53.26
